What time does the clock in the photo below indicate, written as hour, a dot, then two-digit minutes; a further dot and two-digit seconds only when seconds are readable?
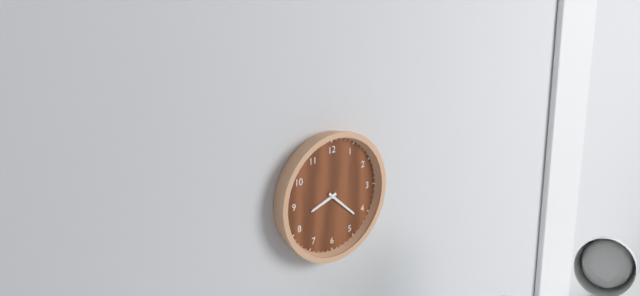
8.22
